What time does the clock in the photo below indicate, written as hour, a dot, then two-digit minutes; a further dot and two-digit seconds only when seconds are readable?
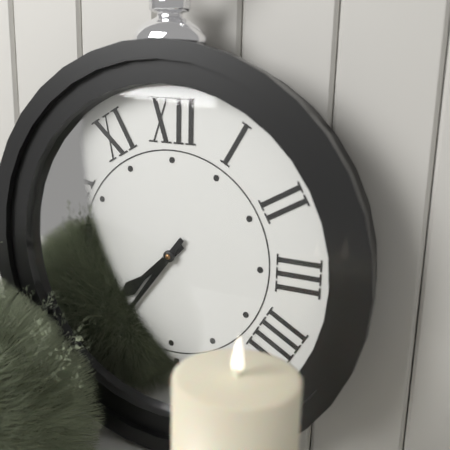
7.36
